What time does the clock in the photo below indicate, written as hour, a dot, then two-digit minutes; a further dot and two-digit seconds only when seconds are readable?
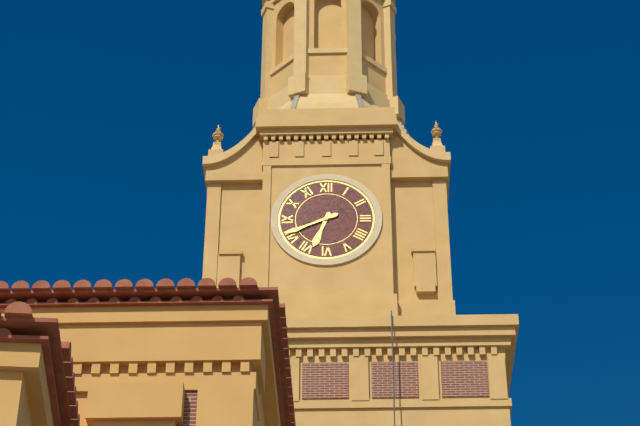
6.41
